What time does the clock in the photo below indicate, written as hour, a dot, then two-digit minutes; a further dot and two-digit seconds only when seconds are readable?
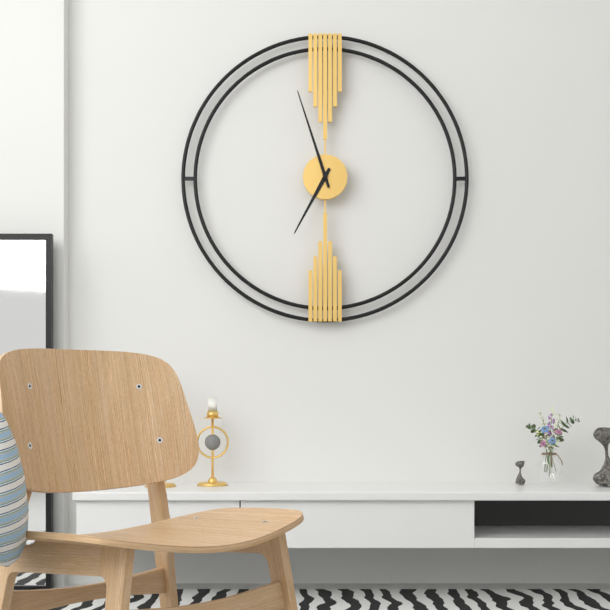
6.57
